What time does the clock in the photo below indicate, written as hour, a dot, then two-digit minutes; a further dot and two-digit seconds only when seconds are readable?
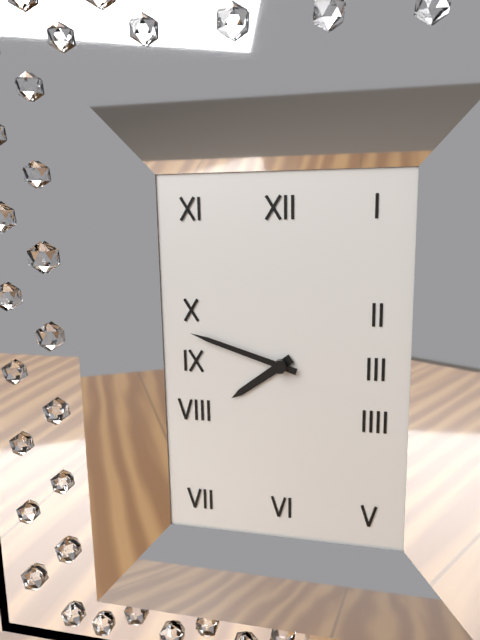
7.48
